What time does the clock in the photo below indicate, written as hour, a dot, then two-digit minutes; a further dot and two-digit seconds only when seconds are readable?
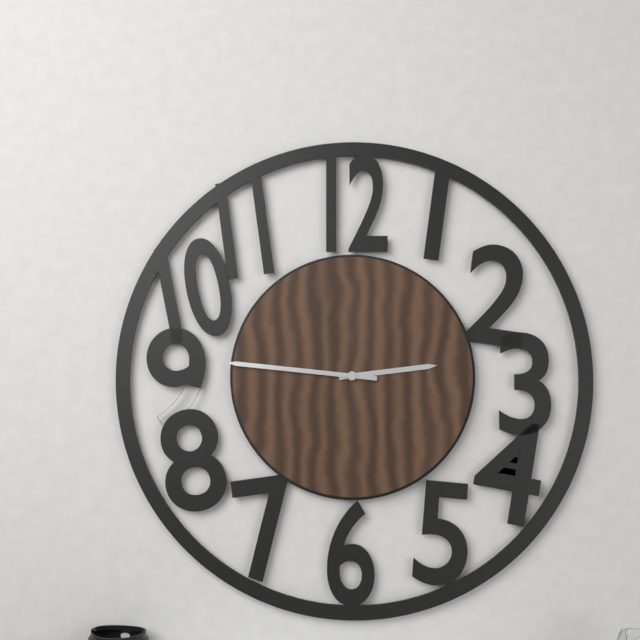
2.46
